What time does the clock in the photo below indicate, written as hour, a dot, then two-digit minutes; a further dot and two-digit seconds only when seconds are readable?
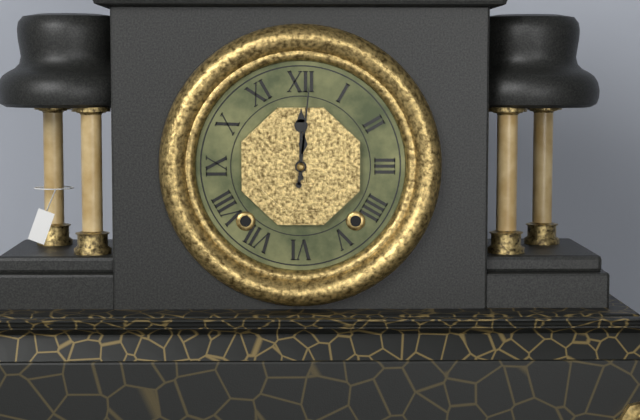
12.01
